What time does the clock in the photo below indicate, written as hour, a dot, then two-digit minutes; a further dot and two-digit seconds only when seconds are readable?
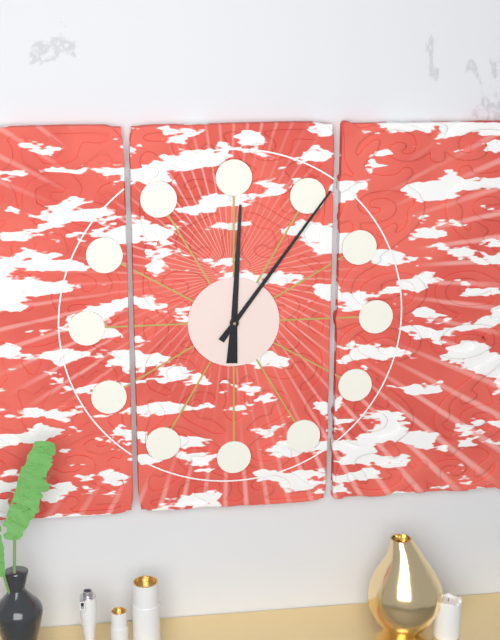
12.06
